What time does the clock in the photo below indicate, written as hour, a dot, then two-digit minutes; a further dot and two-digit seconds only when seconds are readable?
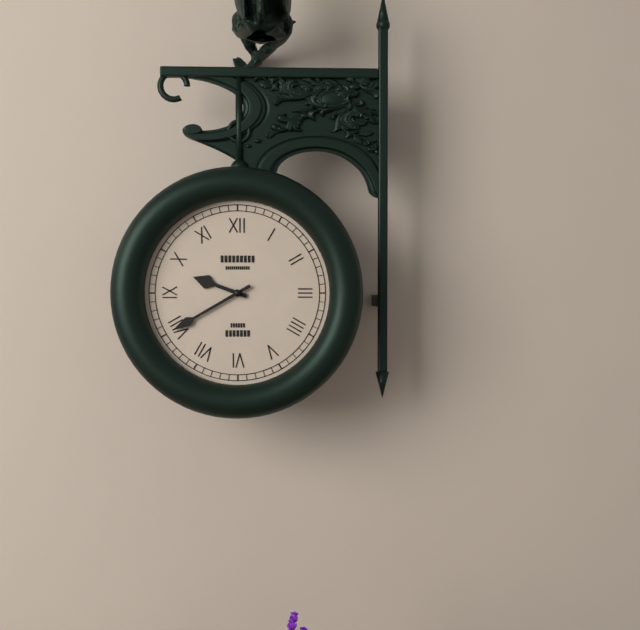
9.40
